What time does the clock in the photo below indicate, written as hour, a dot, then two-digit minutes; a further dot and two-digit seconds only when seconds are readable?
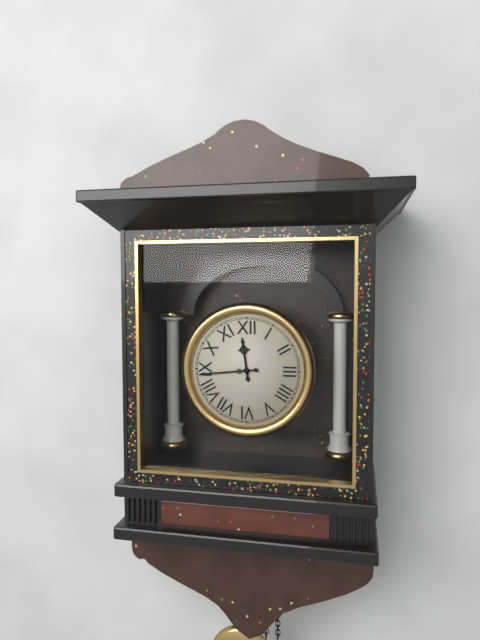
11.44
